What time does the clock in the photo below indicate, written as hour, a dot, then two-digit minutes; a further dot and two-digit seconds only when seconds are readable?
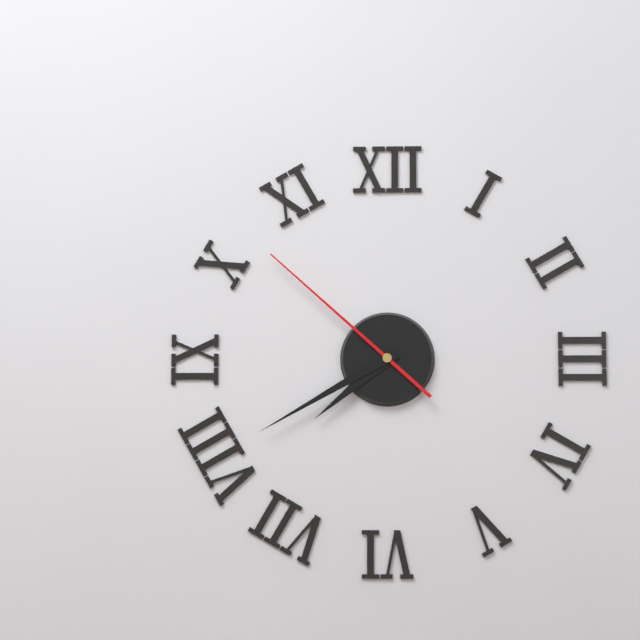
7.40.52
